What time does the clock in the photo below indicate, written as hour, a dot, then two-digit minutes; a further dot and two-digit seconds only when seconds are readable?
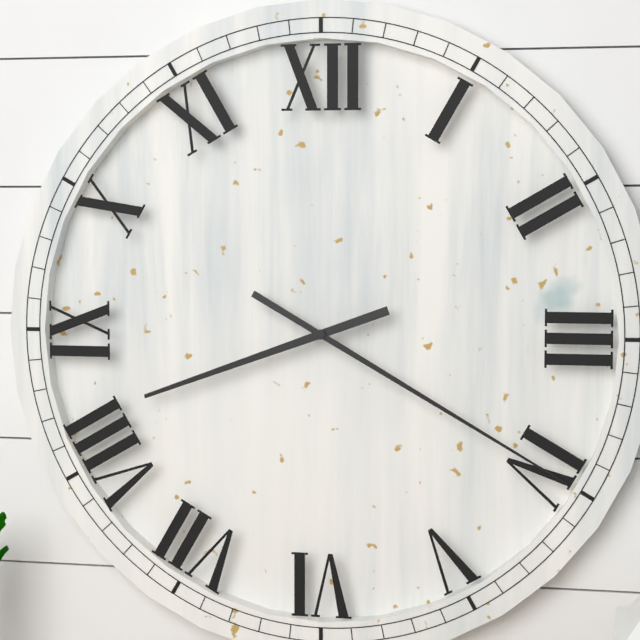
8.20
